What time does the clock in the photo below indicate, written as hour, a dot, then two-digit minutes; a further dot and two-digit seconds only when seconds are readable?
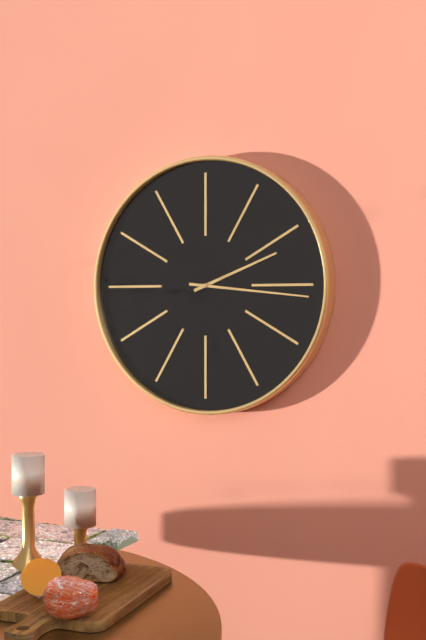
2.16
